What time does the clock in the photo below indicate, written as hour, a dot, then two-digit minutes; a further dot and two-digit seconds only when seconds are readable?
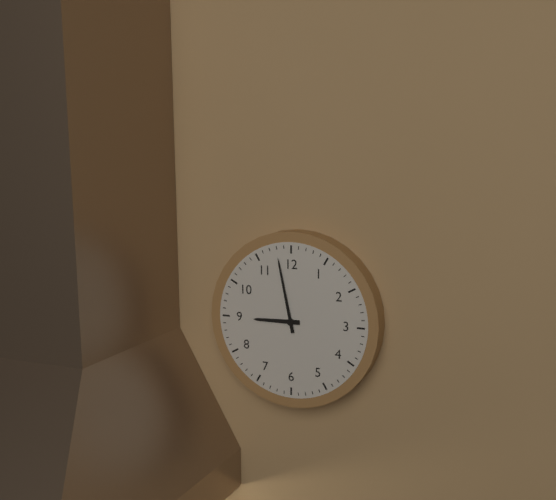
8.58
